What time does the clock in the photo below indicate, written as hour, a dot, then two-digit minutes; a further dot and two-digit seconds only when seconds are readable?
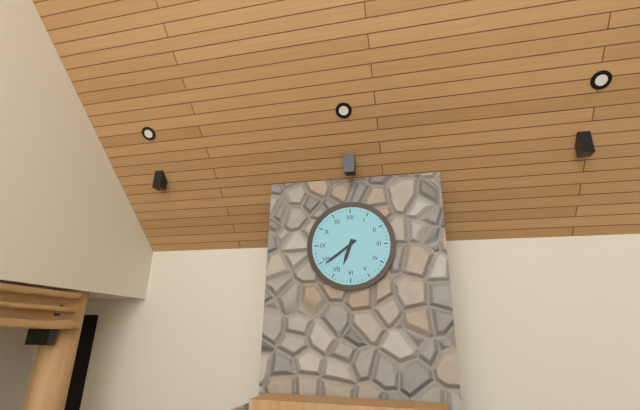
6.39
